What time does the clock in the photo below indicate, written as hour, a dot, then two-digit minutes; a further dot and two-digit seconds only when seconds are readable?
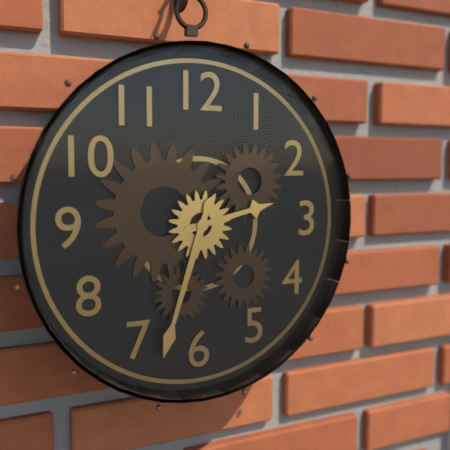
2.33
